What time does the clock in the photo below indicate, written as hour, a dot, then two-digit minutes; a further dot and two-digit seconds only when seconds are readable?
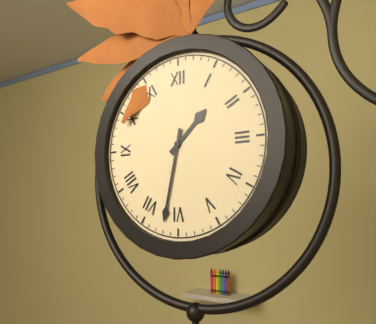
1.32
